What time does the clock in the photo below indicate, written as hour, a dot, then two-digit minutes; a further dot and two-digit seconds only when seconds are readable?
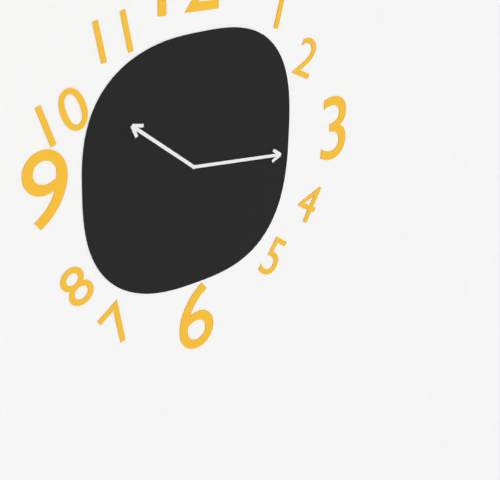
10.16
